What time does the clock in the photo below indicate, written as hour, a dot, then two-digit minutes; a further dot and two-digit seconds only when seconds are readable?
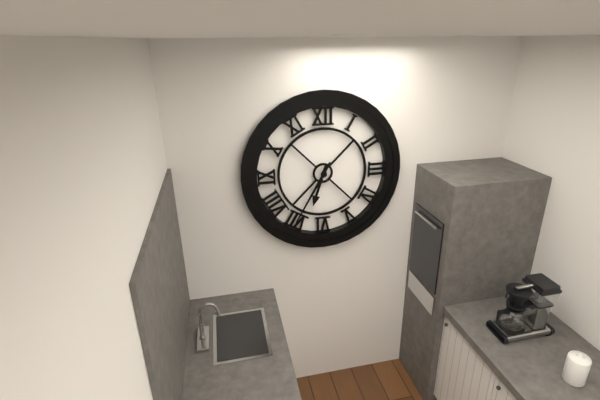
6.35
